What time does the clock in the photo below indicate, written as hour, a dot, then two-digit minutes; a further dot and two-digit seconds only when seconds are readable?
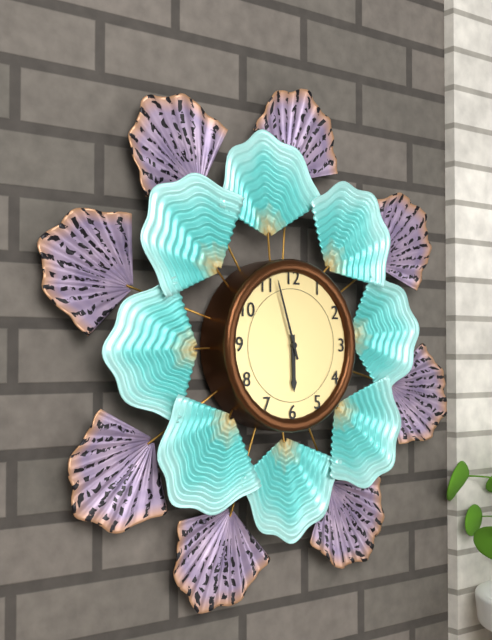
5.57
